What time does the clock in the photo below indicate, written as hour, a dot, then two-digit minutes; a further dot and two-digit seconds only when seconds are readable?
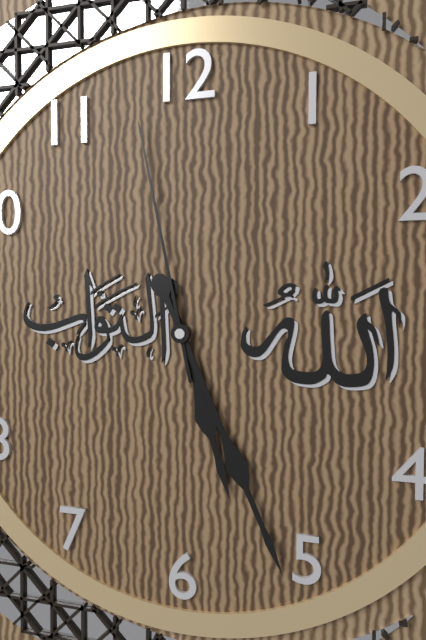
5.26.58
